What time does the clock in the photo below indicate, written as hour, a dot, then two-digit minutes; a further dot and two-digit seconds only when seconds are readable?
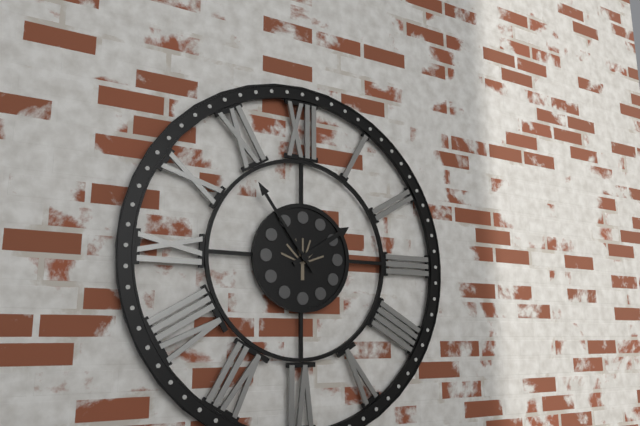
1.54
